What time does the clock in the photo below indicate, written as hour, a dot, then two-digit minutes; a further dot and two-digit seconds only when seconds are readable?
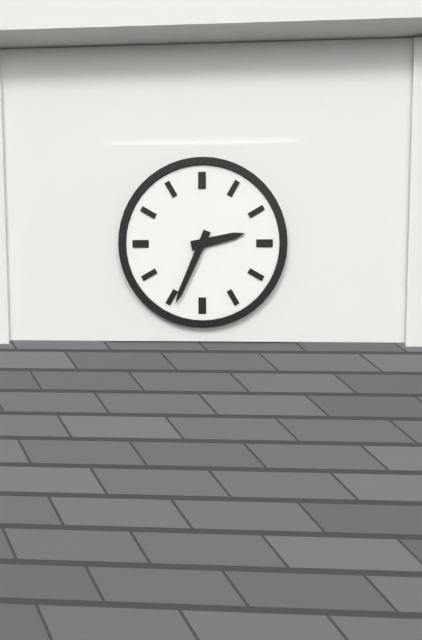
2.34
